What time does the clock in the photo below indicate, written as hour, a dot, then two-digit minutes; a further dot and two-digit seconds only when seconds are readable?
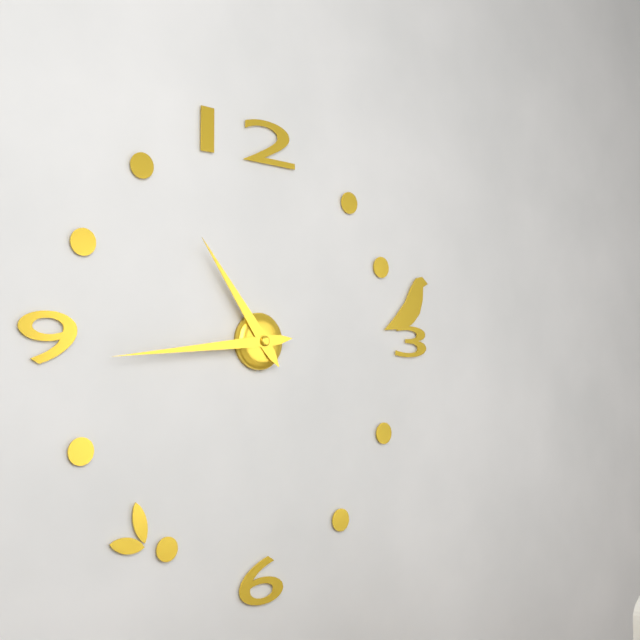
10.44
